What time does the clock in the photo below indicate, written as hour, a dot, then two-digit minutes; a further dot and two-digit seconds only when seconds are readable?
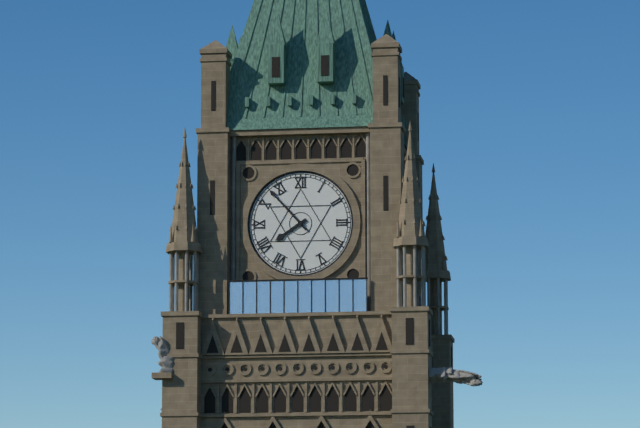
7.53
